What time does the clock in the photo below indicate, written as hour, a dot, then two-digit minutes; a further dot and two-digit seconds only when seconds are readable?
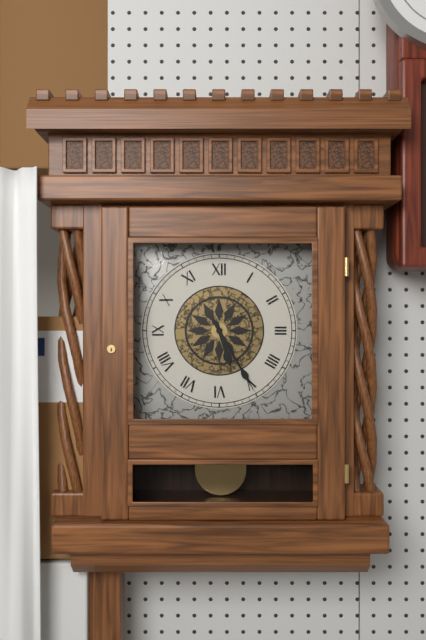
5.25
